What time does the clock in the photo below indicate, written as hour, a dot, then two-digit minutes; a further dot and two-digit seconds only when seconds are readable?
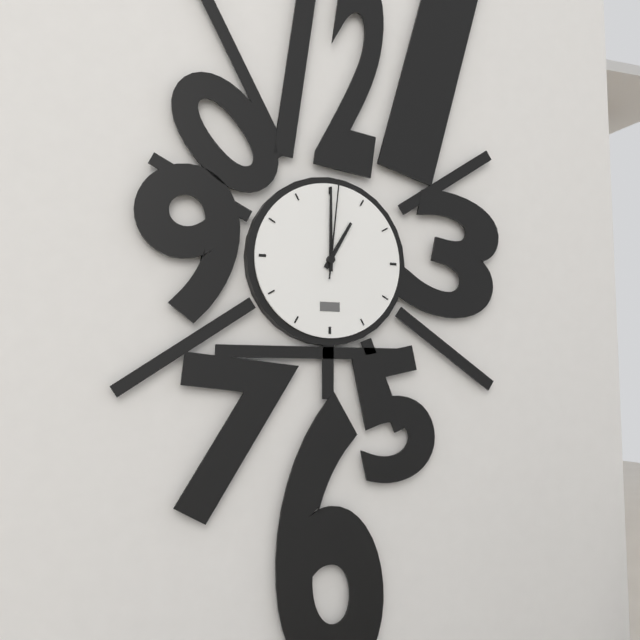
1.00.01
